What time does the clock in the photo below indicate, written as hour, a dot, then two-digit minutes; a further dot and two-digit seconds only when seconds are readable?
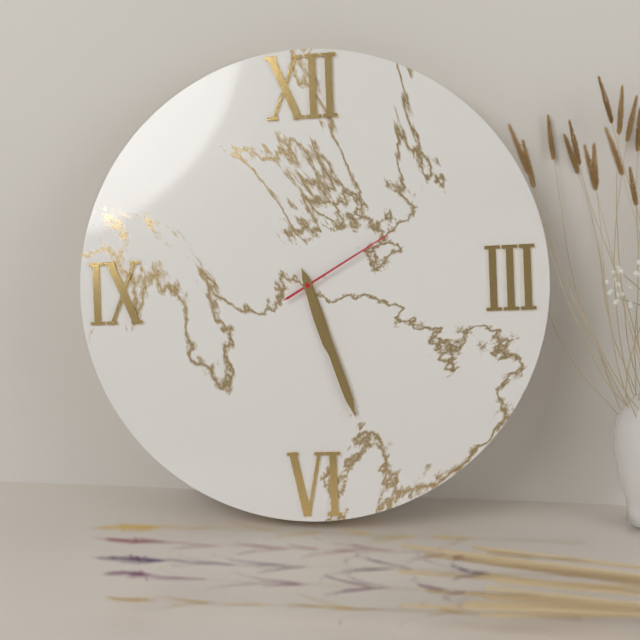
5.27.10
